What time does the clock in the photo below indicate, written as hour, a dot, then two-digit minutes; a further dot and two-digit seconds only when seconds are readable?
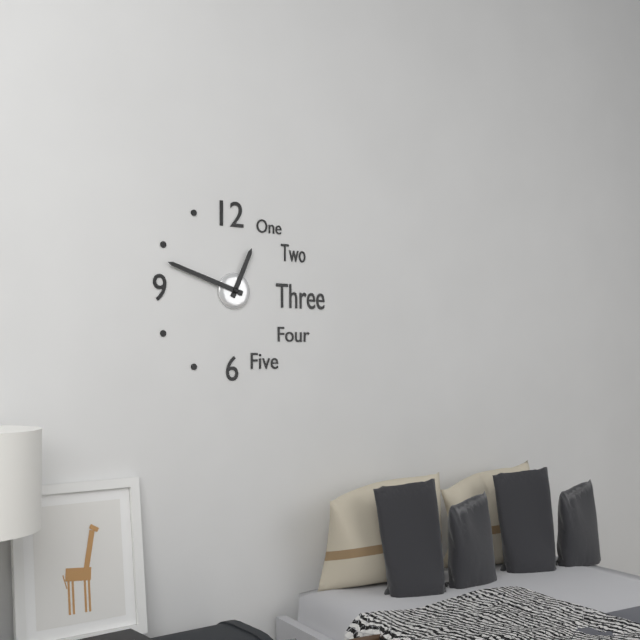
12.48
